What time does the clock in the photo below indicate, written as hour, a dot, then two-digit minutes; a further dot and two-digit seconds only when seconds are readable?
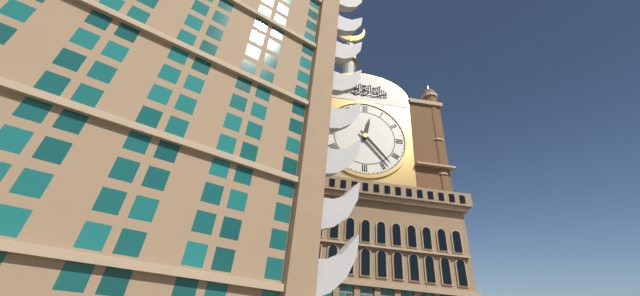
12.23
